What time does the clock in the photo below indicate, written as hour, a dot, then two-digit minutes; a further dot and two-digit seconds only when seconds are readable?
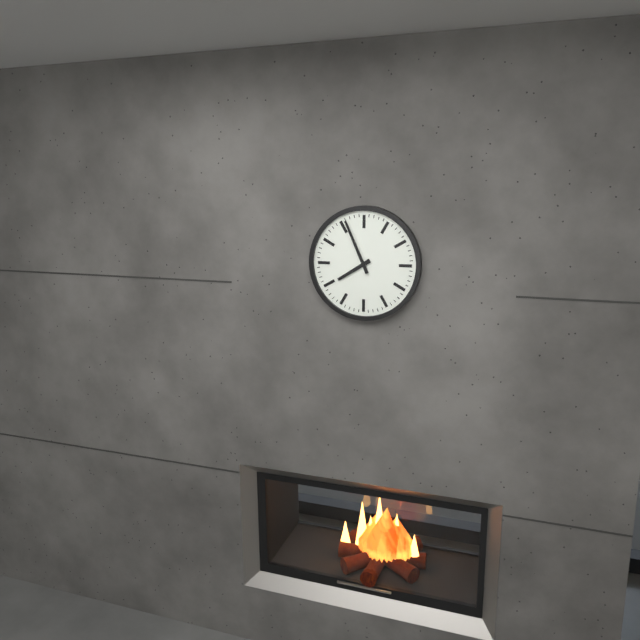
7.56
